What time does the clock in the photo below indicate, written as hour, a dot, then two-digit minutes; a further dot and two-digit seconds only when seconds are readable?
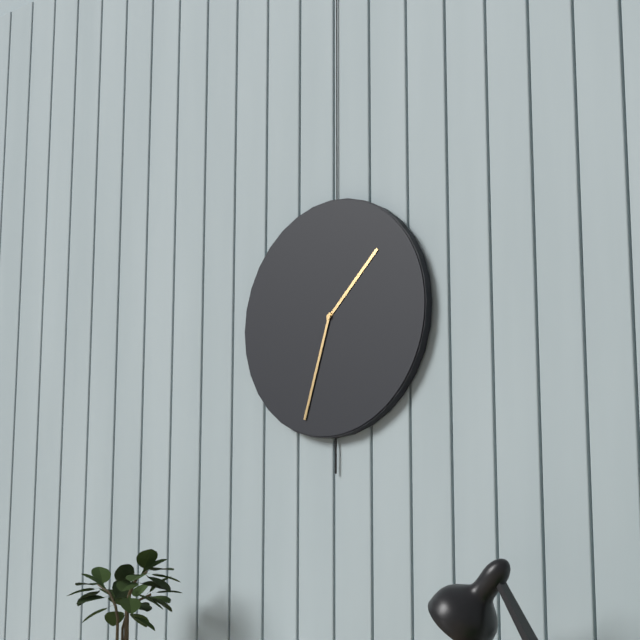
1.33
